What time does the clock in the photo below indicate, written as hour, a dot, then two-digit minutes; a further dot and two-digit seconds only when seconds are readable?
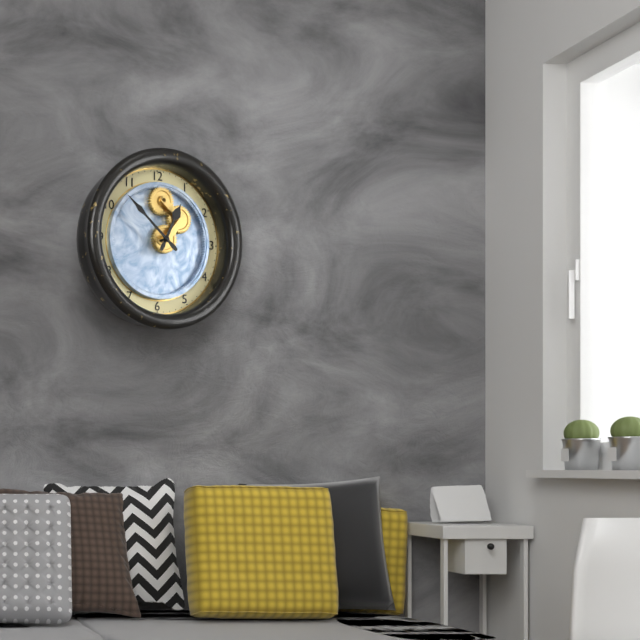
12.52
